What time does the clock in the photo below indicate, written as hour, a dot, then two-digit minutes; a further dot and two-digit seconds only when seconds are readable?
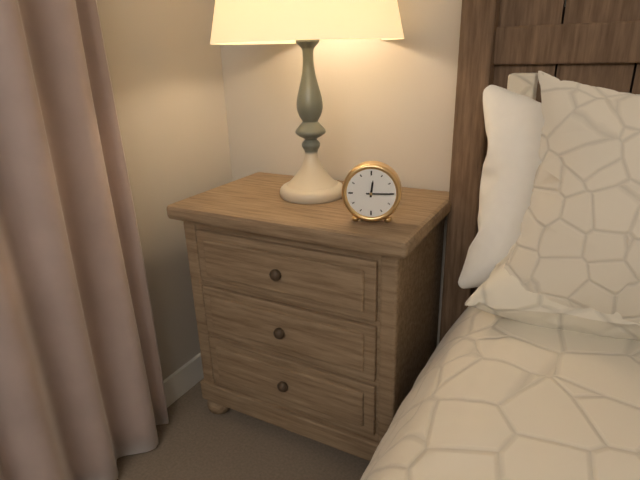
12.15
